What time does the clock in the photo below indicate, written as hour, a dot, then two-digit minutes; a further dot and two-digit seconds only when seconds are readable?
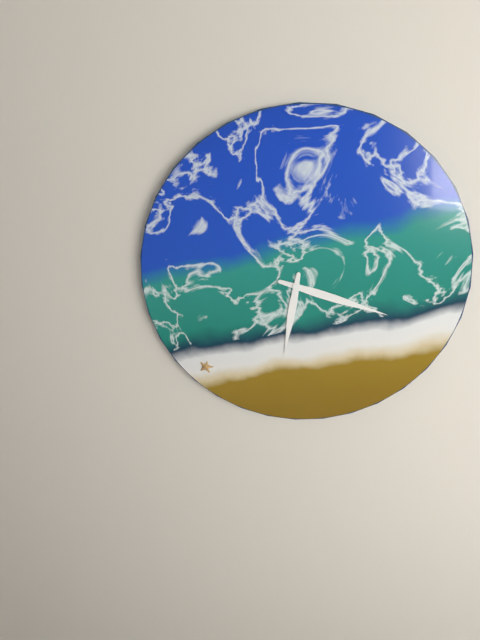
6.18
